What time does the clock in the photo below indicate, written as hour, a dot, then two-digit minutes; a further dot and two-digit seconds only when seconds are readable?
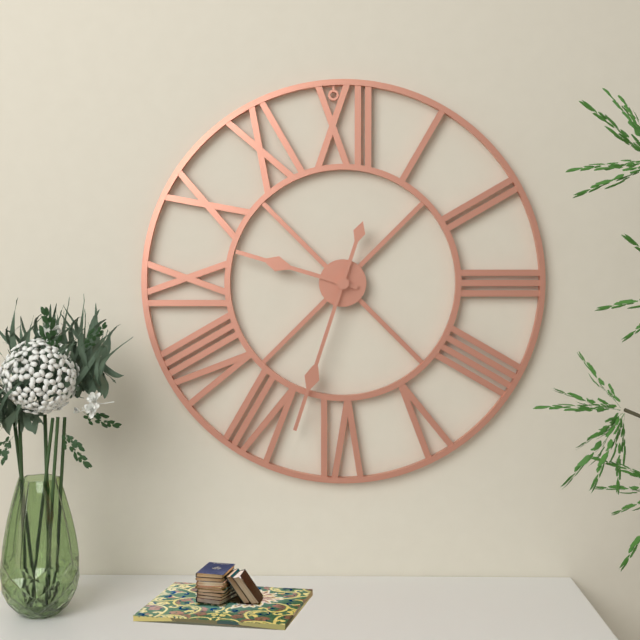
9.33
